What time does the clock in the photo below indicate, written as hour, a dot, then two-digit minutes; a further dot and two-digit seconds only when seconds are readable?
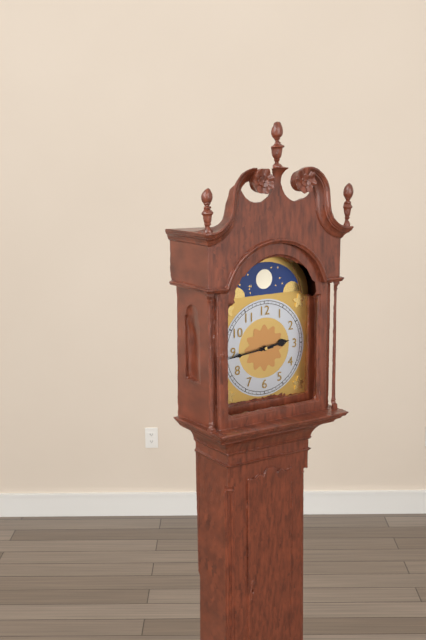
2.44
